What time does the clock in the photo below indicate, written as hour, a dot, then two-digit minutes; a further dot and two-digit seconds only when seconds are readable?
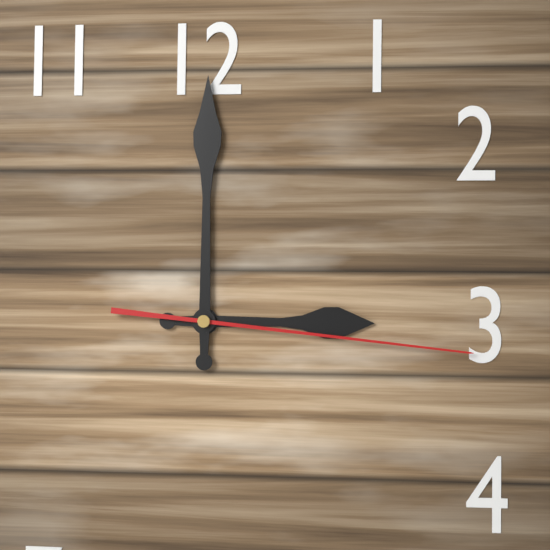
3.00.16
